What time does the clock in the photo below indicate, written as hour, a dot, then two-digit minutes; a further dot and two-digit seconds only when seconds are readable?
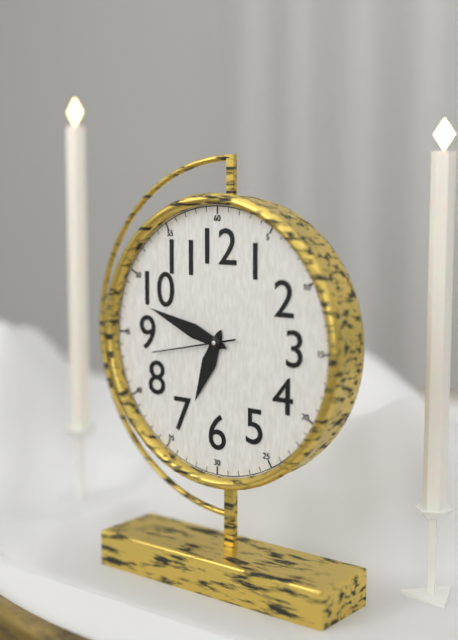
6.48.43
